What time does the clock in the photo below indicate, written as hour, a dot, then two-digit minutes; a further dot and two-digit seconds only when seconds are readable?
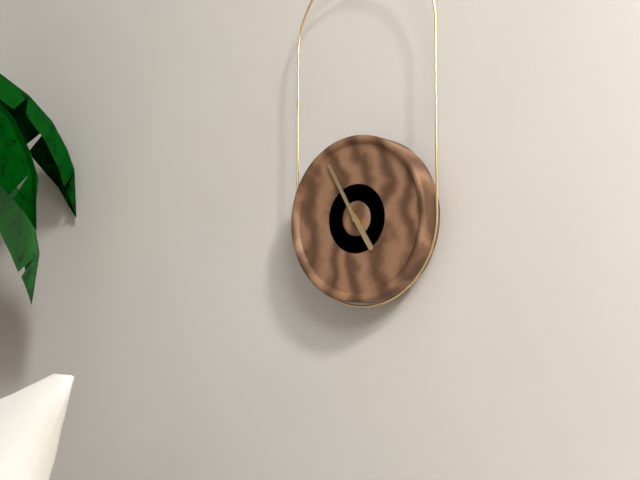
4.55
